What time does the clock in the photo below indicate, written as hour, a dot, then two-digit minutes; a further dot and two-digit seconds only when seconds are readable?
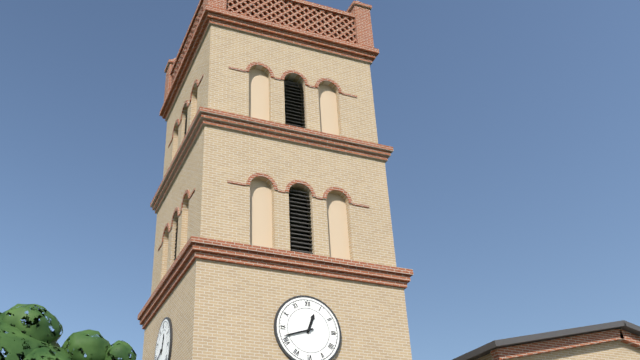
12.42
